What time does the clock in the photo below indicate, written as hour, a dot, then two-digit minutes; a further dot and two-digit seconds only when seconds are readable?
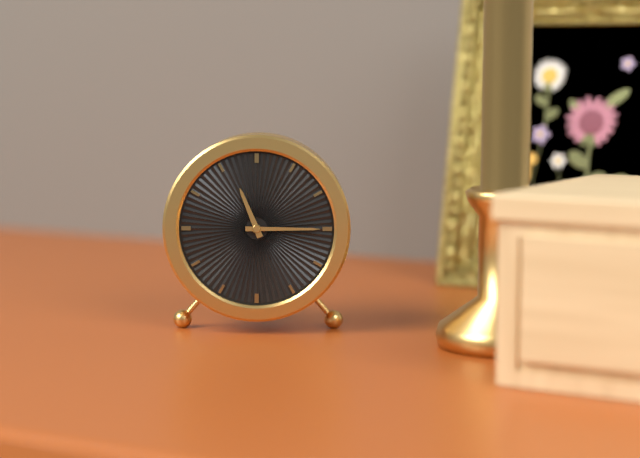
11.15
